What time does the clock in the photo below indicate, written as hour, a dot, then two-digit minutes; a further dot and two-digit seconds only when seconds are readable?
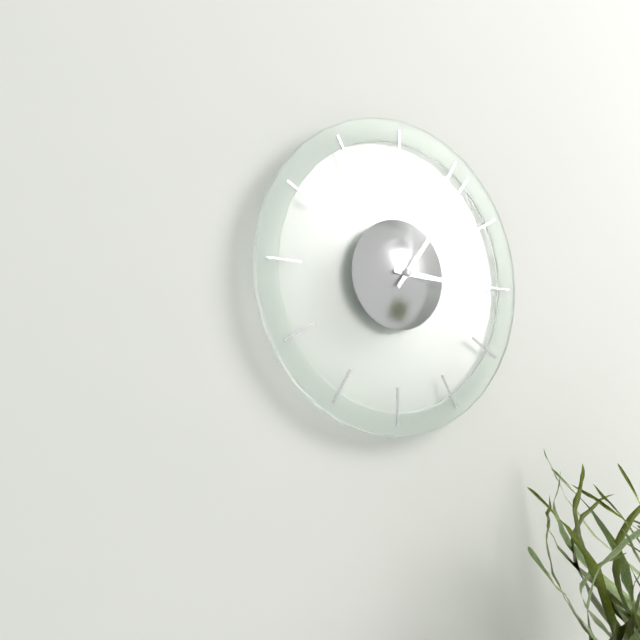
3.06
